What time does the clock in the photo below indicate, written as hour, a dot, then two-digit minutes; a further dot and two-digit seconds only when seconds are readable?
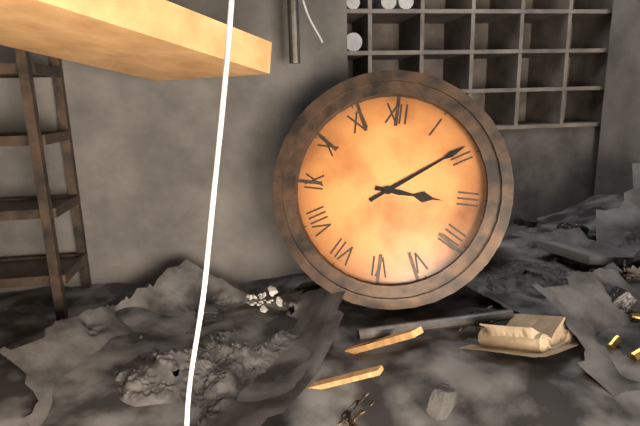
3.09
